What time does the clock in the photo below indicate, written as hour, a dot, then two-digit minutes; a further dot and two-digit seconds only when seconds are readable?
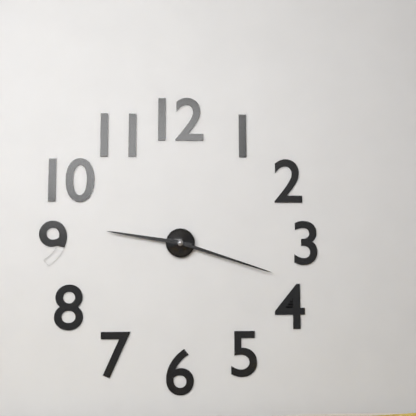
9.18
